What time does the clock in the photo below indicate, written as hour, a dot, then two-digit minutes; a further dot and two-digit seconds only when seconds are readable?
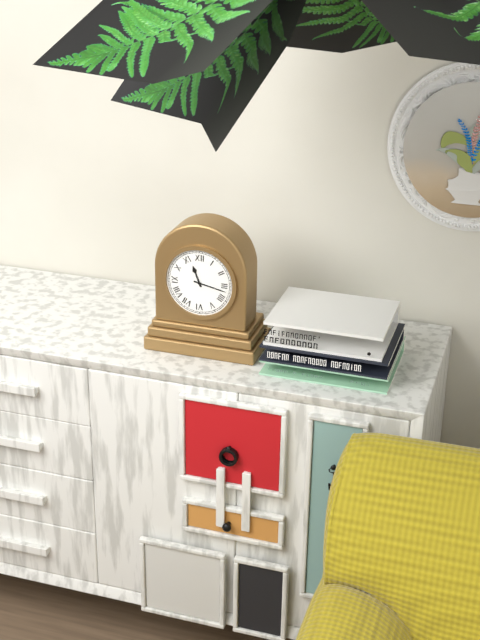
11.17
